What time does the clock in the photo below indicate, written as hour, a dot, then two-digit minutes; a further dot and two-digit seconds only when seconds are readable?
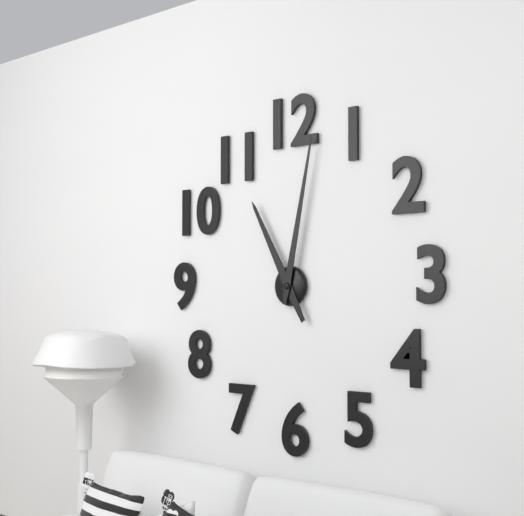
11.02
